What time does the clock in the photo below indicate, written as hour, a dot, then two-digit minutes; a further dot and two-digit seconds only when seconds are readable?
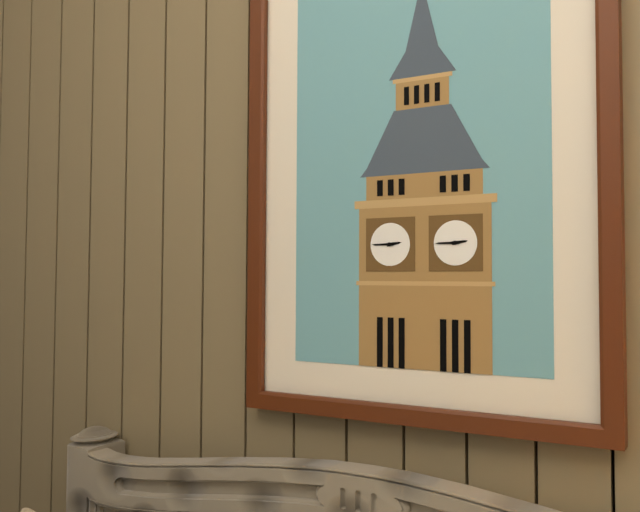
2.45
